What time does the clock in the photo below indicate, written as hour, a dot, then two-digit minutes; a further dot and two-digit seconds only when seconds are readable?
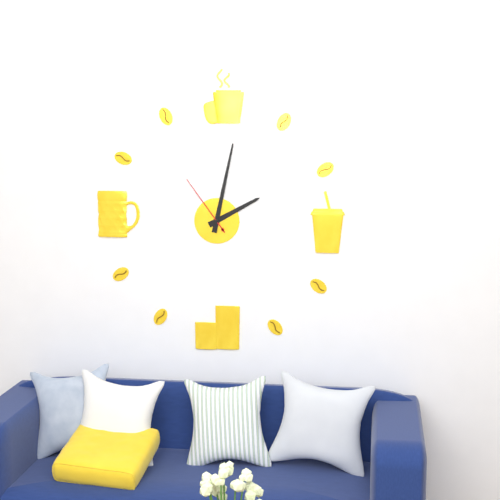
2.02.54
